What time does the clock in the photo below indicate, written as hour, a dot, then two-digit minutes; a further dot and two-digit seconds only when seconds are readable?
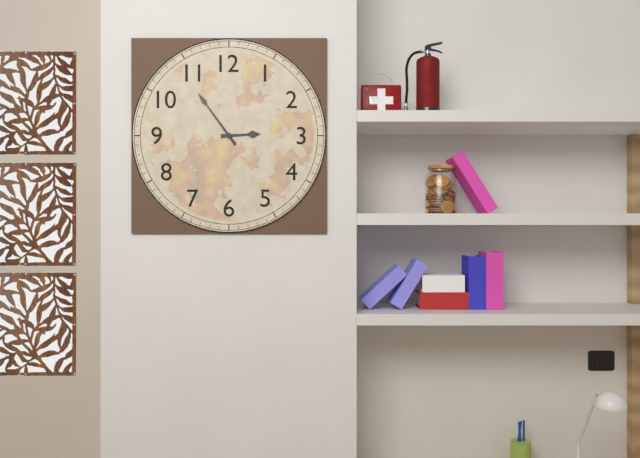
2.54
